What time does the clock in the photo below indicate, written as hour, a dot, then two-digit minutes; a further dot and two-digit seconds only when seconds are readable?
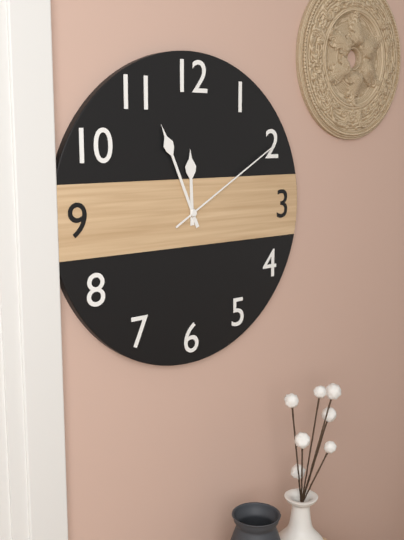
11.56.10
